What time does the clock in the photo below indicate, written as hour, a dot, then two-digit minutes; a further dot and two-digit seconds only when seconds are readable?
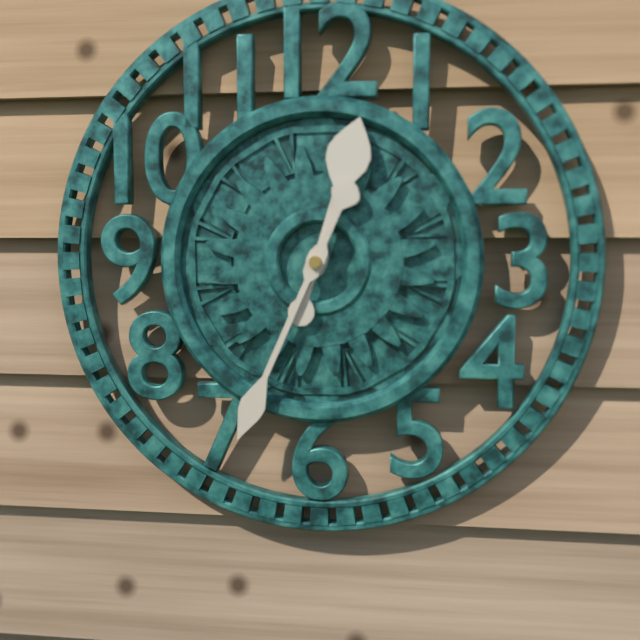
12.34
